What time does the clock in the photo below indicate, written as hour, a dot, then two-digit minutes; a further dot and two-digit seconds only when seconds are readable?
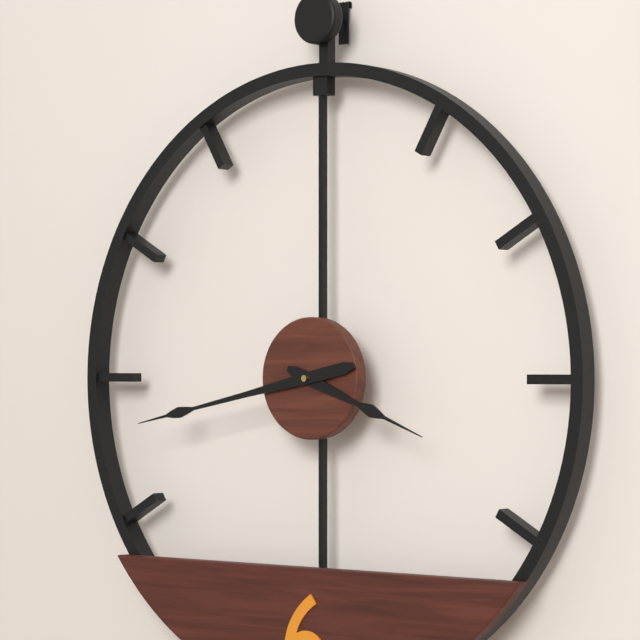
3.43
